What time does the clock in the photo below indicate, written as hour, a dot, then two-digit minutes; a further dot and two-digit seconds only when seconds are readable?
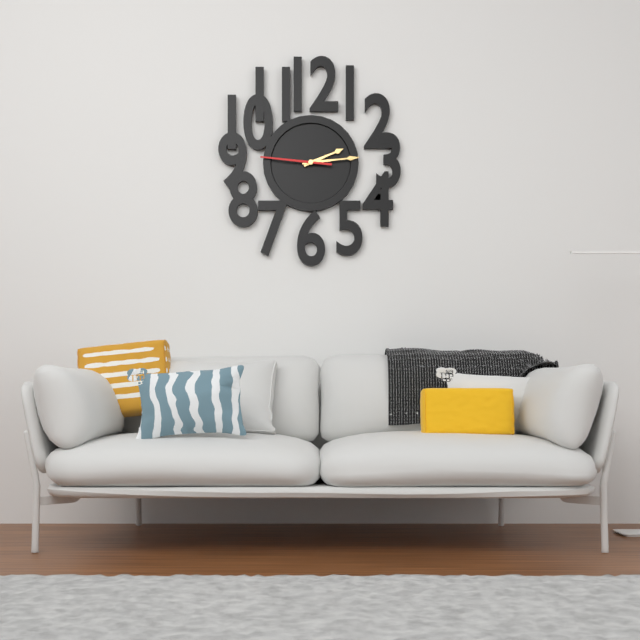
2.14.46
